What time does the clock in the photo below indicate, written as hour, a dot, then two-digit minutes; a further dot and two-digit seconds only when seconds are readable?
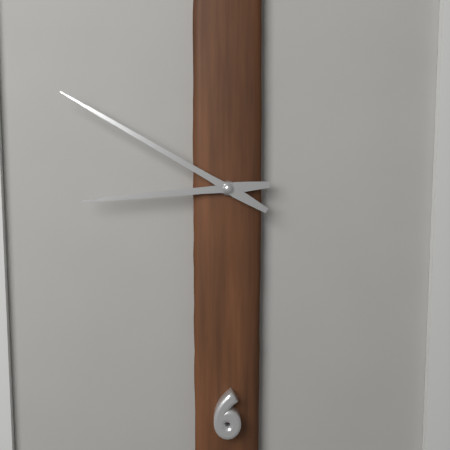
8.50
